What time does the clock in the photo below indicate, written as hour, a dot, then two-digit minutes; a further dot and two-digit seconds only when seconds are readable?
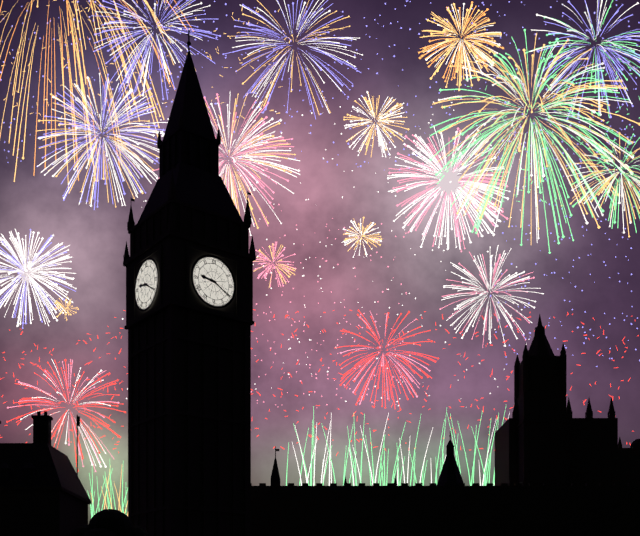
9.20
